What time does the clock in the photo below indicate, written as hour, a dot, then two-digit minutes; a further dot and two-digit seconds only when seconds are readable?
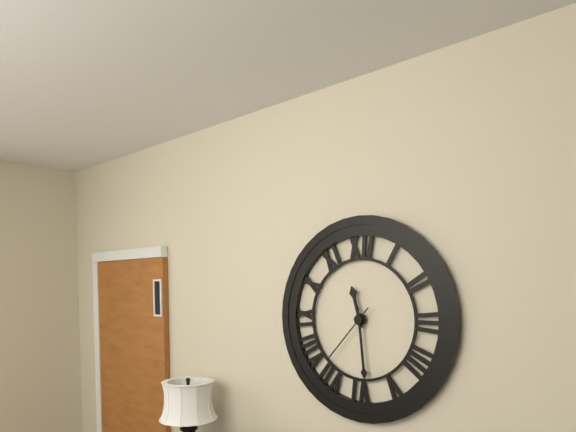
11.29.37
